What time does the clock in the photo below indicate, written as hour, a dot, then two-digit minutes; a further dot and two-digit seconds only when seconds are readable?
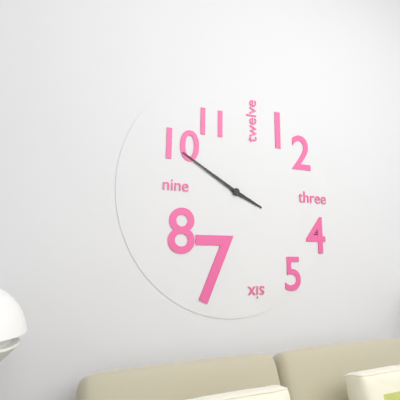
3.50
